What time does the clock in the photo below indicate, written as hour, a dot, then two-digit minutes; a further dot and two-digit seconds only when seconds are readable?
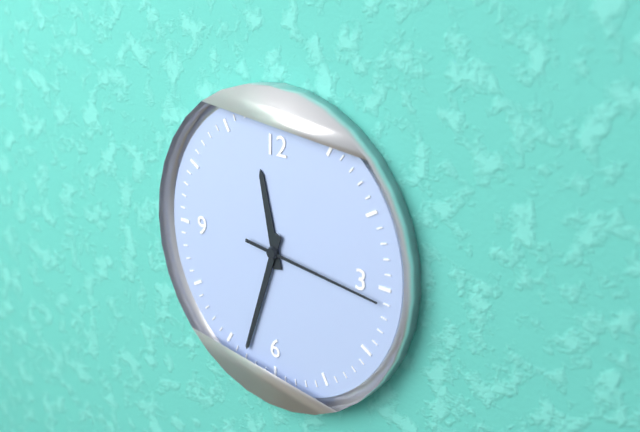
11.33.16
